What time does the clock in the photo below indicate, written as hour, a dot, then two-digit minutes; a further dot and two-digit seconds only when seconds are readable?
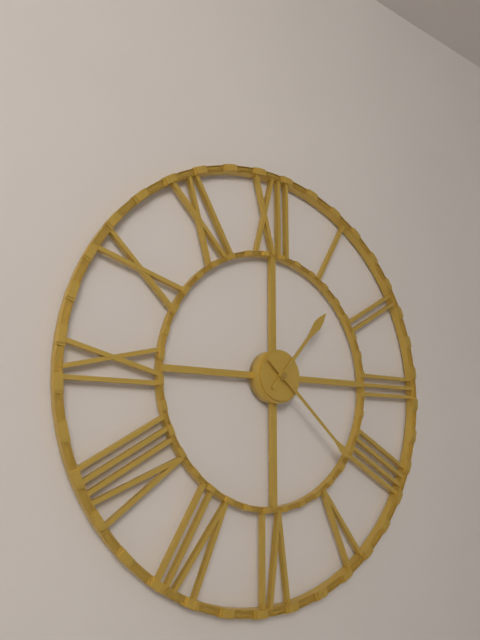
1.22
